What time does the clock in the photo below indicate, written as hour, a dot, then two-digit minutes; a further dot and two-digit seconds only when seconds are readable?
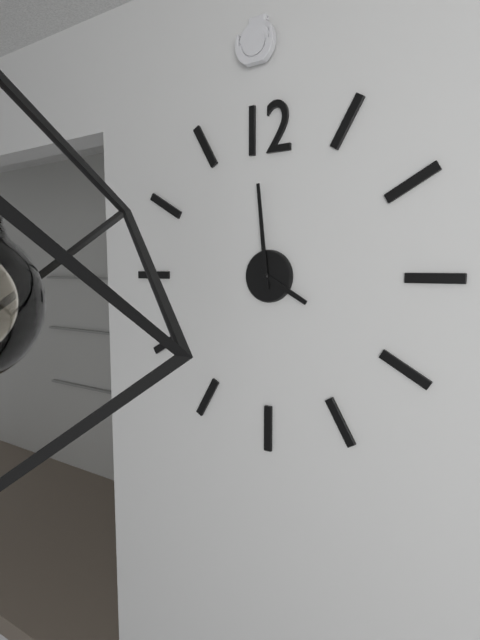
3.59
